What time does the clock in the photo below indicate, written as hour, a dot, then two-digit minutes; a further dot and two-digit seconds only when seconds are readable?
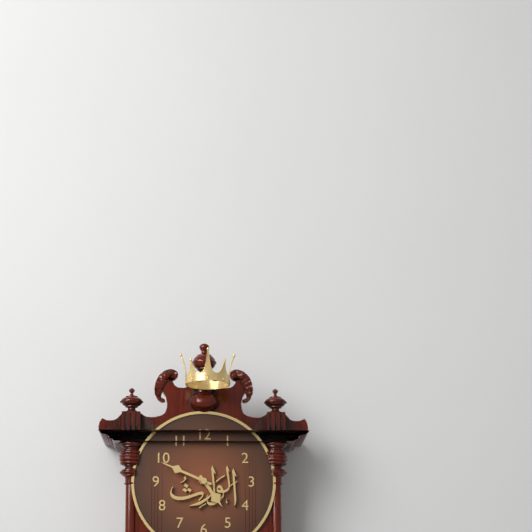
4.49
